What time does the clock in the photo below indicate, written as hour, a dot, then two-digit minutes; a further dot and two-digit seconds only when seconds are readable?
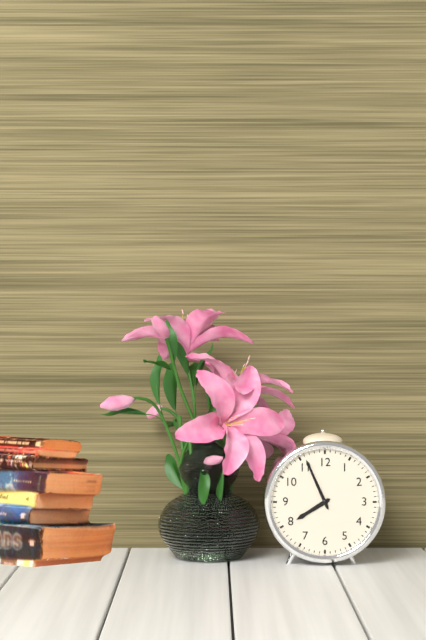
7.56
